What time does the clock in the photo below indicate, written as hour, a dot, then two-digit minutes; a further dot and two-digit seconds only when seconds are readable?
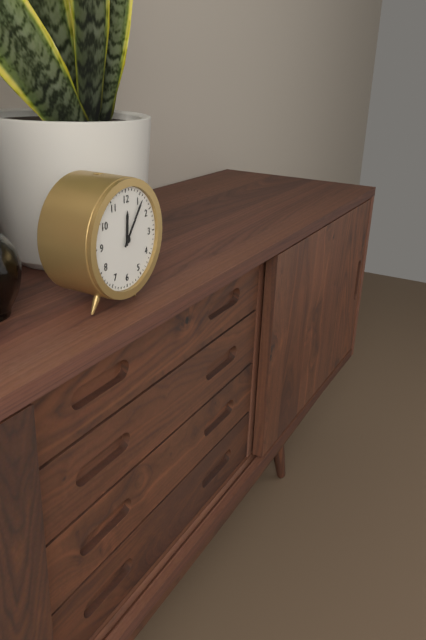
12.06
